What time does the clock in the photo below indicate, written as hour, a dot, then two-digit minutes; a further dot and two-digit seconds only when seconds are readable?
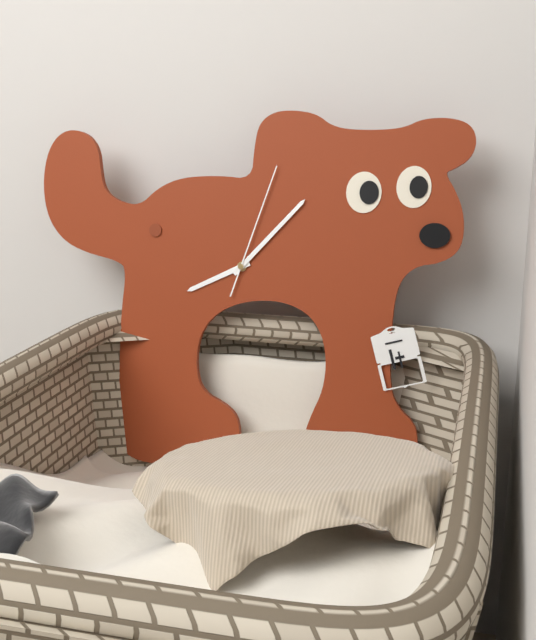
8.07.03
